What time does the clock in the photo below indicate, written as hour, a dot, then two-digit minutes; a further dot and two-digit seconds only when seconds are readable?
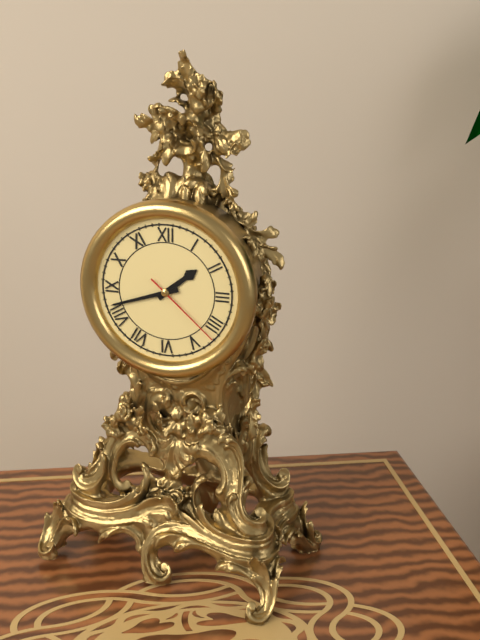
1.42.22
